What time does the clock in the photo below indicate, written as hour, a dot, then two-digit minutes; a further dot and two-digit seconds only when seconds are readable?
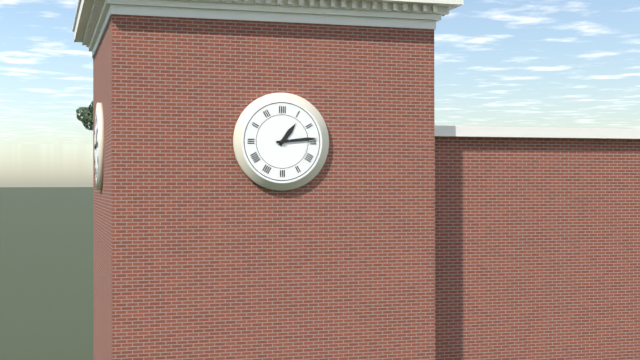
1.14
